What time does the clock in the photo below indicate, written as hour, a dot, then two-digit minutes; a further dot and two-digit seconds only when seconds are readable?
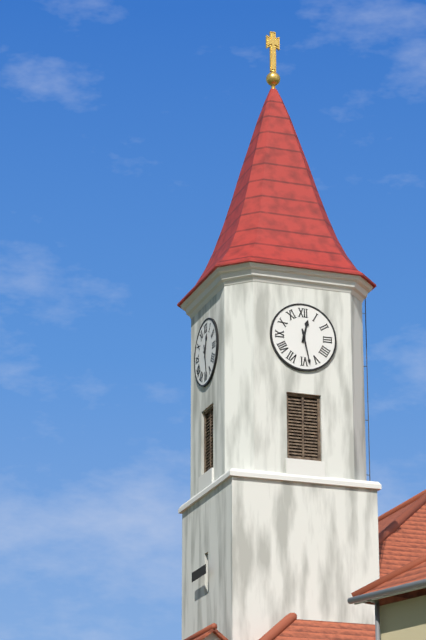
12.28
